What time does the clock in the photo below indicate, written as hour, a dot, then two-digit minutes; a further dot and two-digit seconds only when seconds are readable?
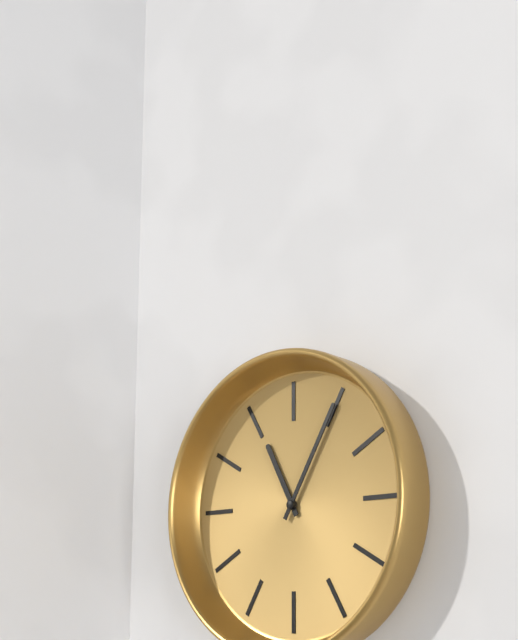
11.05
